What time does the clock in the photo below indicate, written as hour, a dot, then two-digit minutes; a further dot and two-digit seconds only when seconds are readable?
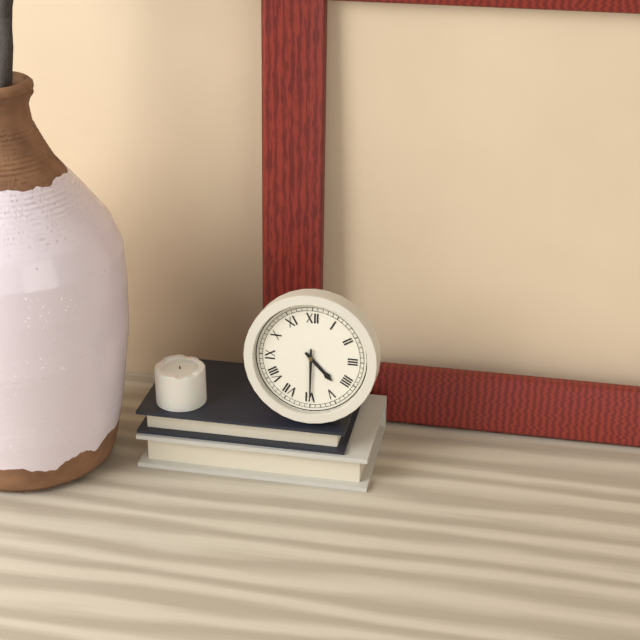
4.30
